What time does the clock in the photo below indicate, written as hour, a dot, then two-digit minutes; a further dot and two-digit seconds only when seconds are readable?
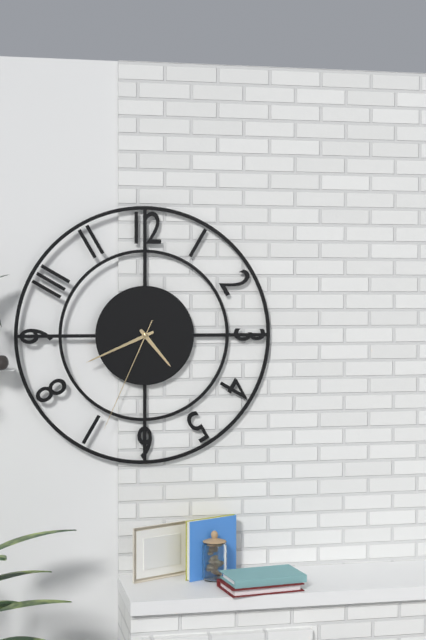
4.41.34
